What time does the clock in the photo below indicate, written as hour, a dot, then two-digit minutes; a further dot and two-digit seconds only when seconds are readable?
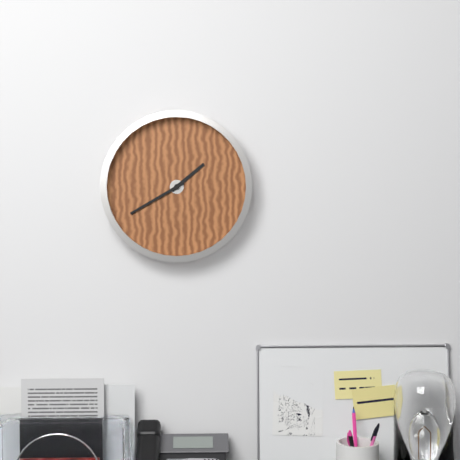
1.40
